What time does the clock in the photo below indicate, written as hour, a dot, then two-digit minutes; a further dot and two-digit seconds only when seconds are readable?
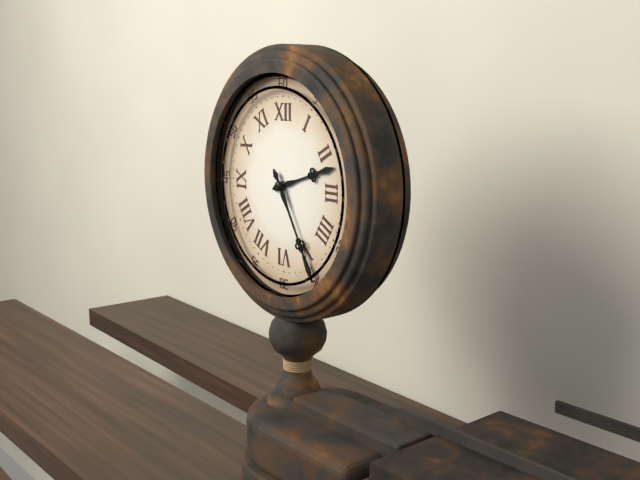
2.25
